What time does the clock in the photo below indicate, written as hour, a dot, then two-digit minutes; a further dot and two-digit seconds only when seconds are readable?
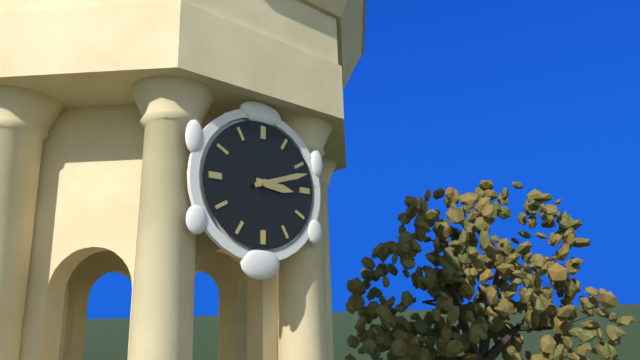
3.12
